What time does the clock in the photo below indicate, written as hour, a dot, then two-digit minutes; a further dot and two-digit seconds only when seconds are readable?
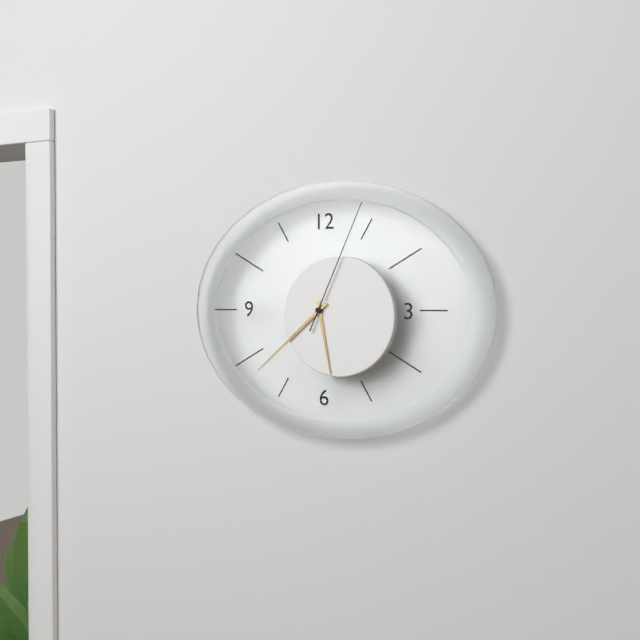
5.38.04
